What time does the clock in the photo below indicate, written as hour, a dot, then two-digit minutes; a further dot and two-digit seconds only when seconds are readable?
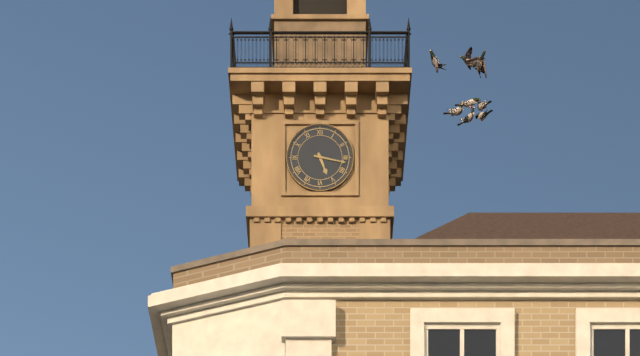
5.17
